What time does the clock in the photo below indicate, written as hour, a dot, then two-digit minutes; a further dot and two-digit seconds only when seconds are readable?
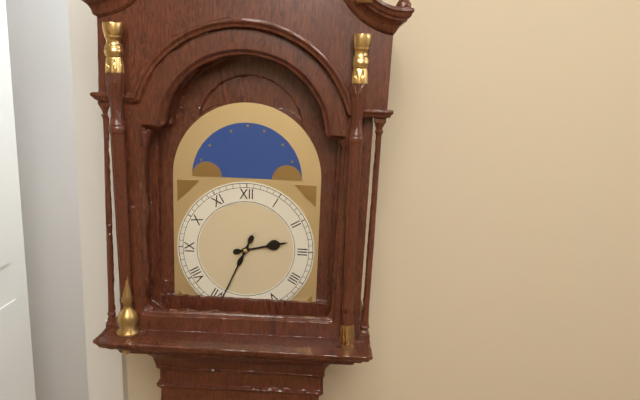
2.34
